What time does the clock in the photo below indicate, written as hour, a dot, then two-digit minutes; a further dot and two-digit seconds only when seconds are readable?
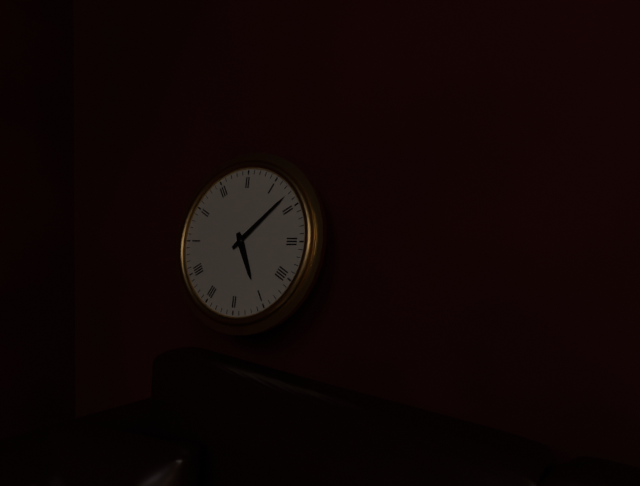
5.08
